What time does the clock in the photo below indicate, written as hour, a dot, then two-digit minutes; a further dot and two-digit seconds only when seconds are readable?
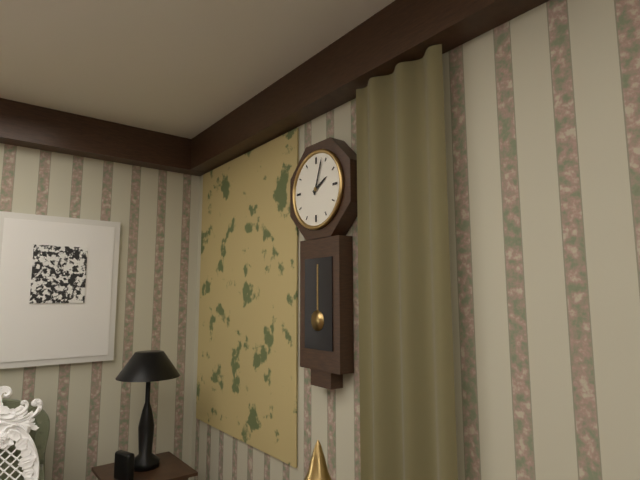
2.03
